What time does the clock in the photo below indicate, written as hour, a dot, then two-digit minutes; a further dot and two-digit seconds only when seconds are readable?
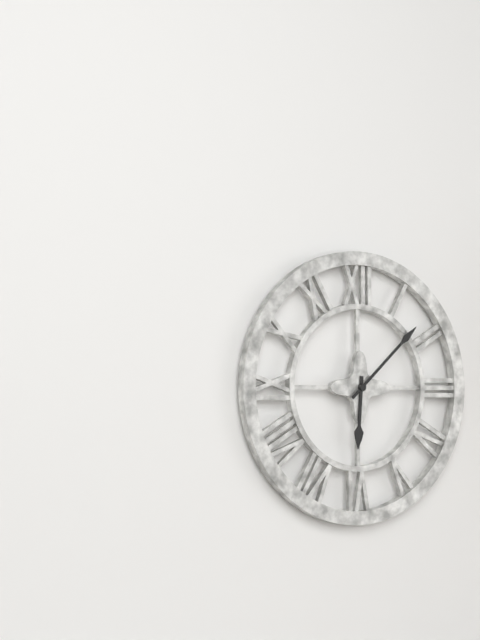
6.08
